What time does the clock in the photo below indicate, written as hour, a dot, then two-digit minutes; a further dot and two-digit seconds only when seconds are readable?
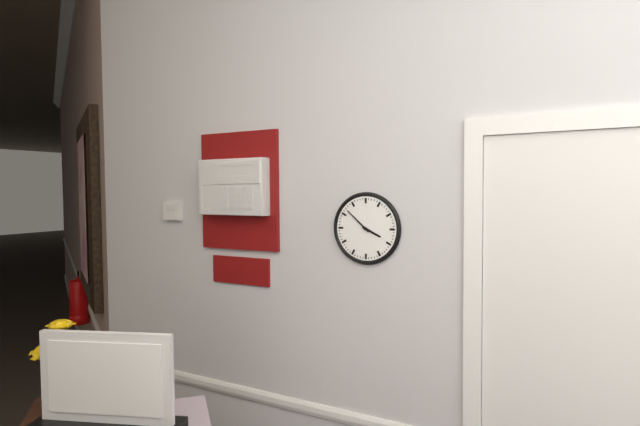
3.52
